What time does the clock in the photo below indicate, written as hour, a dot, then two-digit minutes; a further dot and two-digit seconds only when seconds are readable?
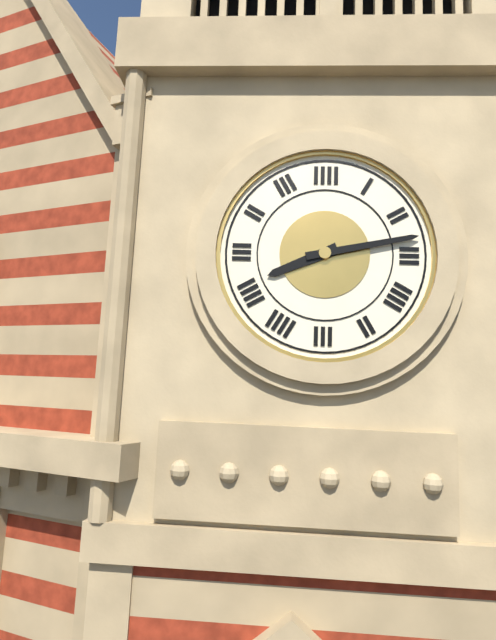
8.13
